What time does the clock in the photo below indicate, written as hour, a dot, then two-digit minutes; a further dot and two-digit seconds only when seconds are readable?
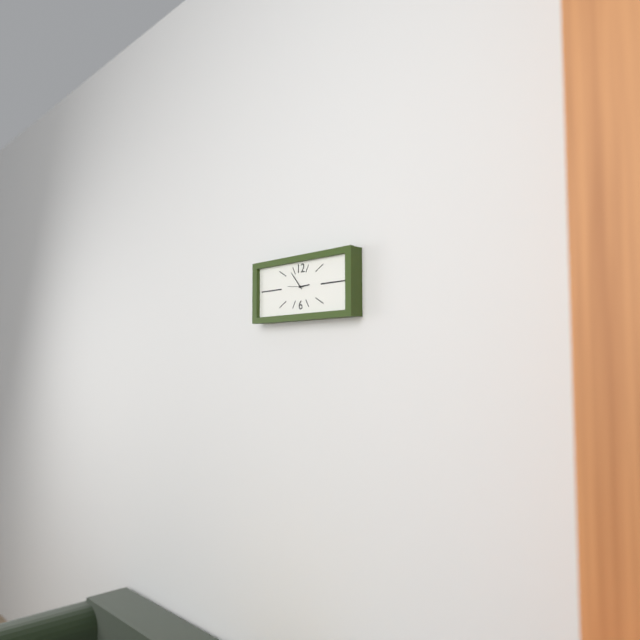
2.53
